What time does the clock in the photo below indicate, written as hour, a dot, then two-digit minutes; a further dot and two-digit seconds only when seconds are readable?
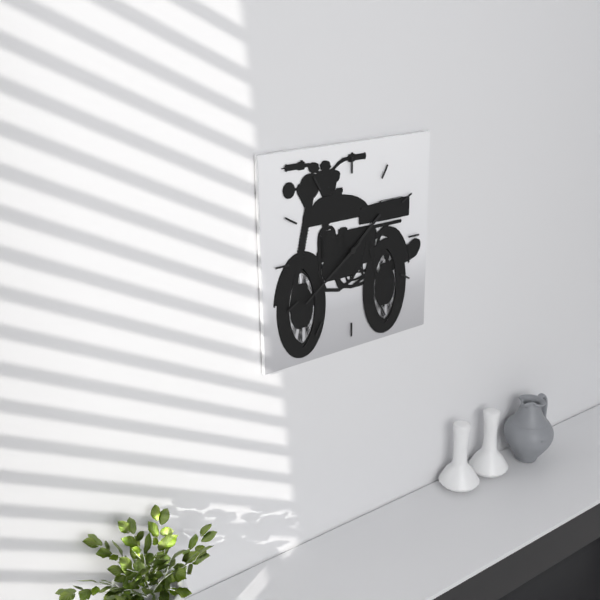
1.39
